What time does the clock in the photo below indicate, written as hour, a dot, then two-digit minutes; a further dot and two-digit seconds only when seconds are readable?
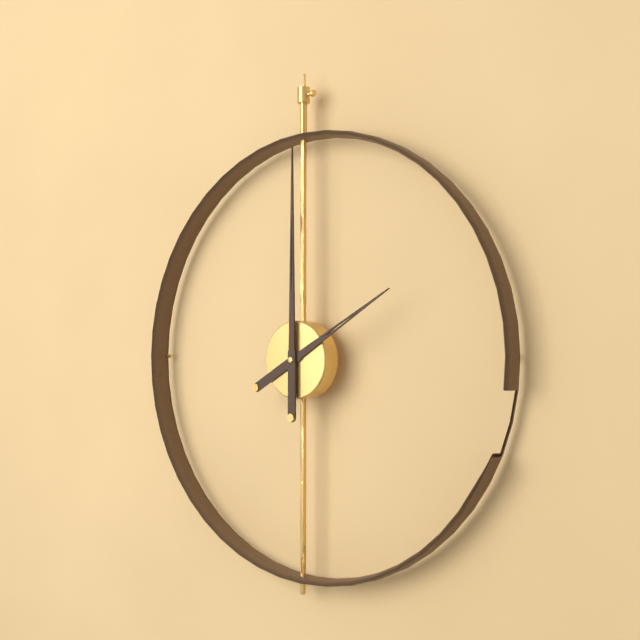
2.00
